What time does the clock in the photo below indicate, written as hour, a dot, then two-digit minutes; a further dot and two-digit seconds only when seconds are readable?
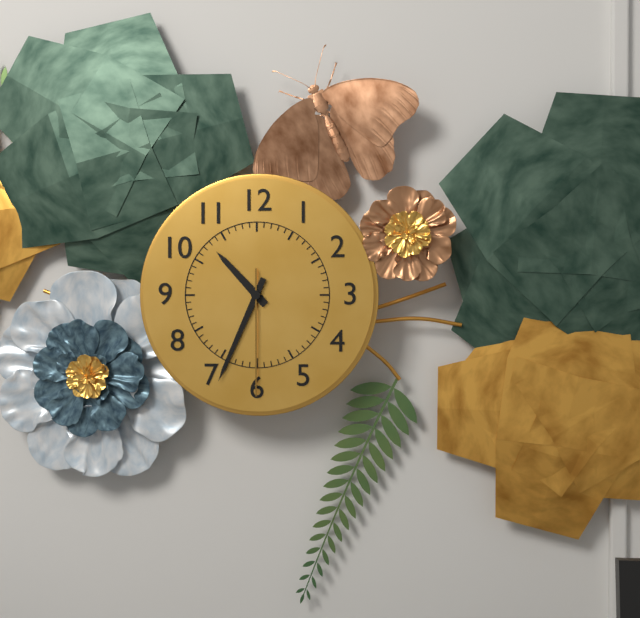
10.34.30
